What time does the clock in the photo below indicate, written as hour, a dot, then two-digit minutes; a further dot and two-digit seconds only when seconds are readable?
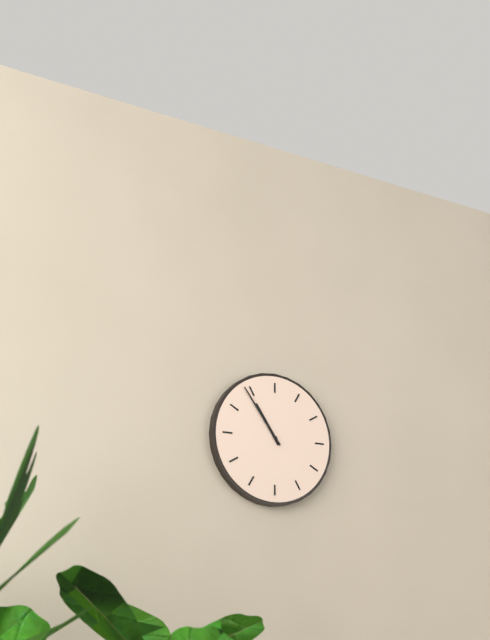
10.54
